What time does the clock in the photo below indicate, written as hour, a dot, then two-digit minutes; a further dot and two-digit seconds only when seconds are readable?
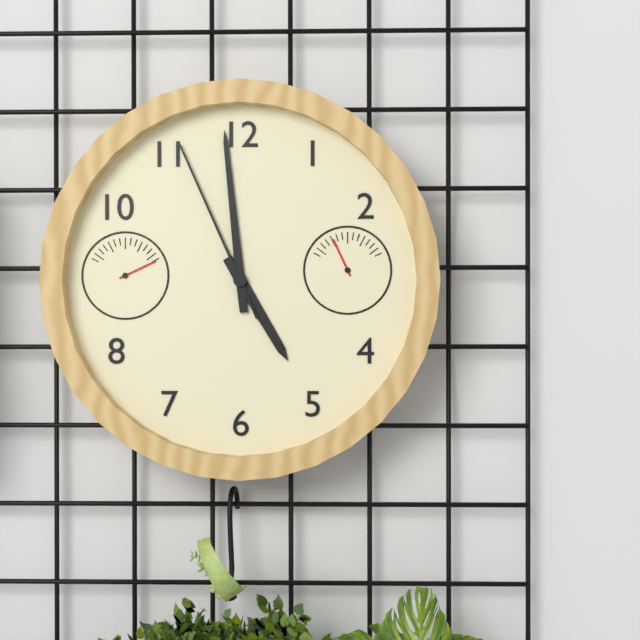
4.59.56
